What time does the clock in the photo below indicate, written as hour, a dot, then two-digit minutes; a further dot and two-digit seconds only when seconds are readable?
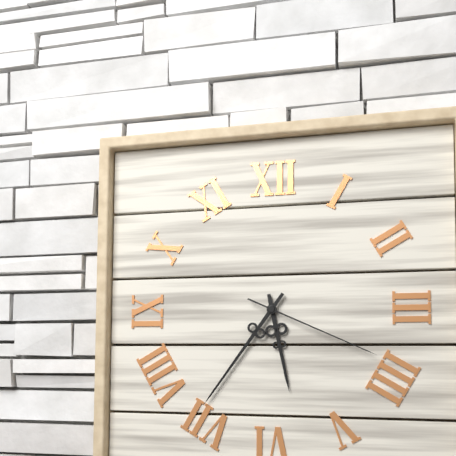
5.36.19
